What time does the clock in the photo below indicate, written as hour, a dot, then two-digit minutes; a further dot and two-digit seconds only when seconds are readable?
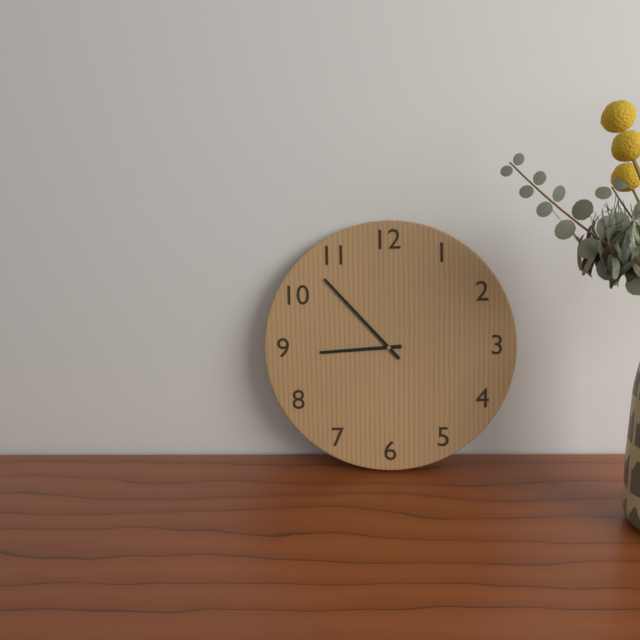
8.53
